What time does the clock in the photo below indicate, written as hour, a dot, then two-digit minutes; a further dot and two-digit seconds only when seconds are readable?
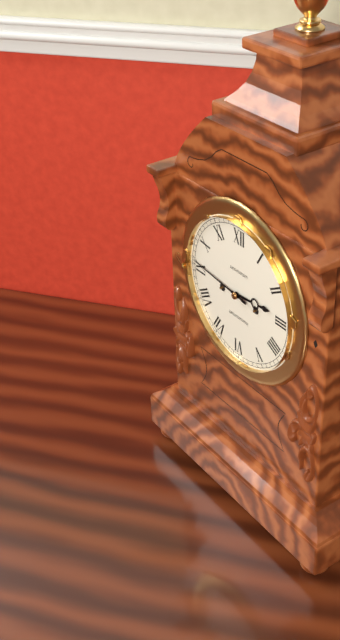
2.46
